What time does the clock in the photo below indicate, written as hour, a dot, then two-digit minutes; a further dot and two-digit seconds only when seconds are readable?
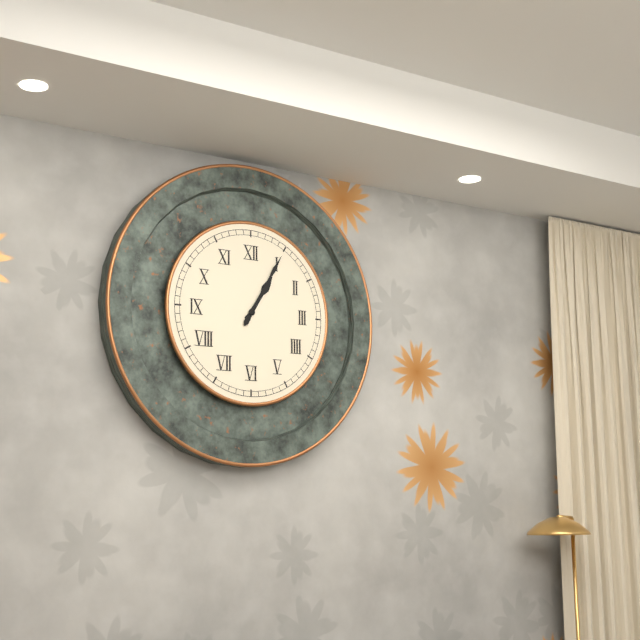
1.05
